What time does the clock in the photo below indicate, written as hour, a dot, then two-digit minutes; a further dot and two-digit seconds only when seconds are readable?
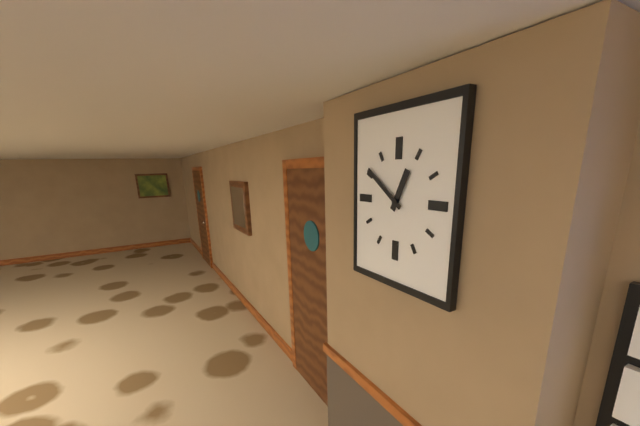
12.51
